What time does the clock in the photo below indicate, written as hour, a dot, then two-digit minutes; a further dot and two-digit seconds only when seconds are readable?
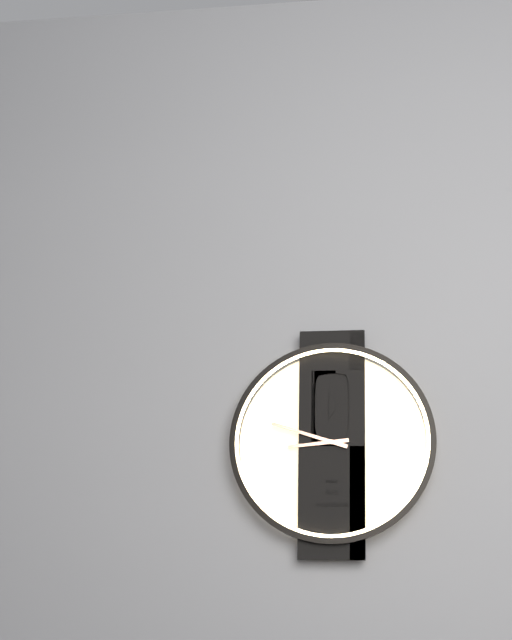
8.48
